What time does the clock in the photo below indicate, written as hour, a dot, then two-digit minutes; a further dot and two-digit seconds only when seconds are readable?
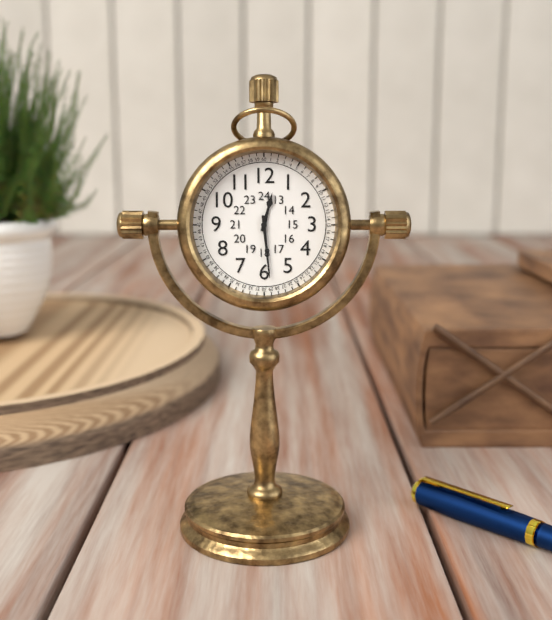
12.29
